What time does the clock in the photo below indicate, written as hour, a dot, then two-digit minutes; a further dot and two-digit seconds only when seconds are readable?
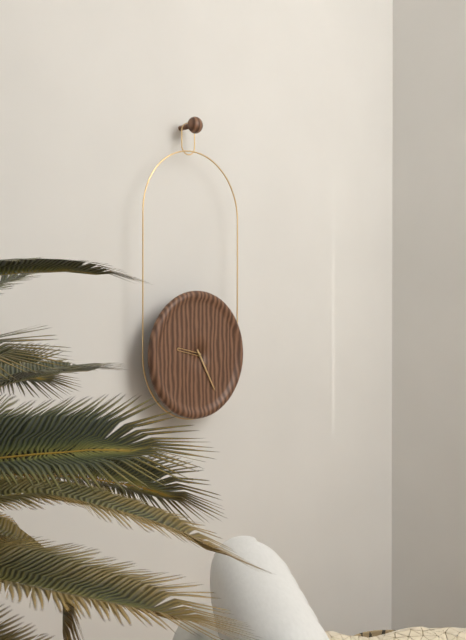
9.25
